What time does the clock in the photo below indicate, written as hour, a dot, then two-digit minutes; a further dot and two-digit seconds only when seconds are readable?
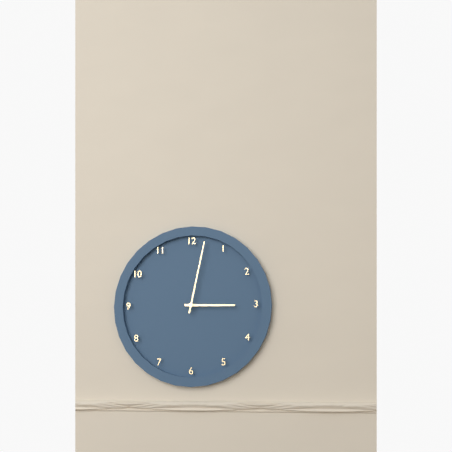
3.02
